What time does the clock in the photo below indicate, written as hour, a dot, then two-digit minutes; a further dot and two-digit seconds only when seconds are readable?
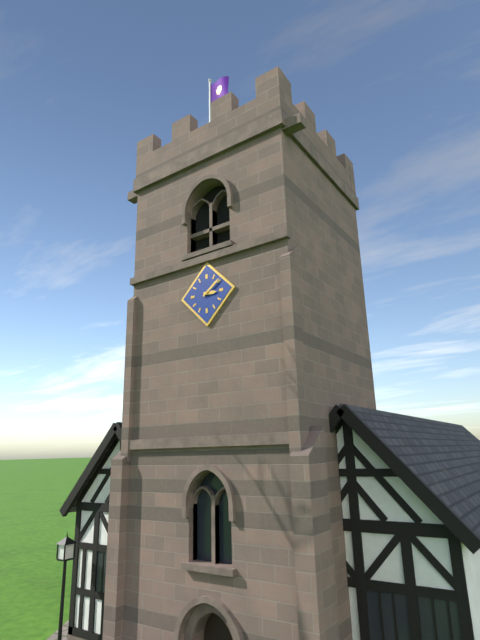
3.09
